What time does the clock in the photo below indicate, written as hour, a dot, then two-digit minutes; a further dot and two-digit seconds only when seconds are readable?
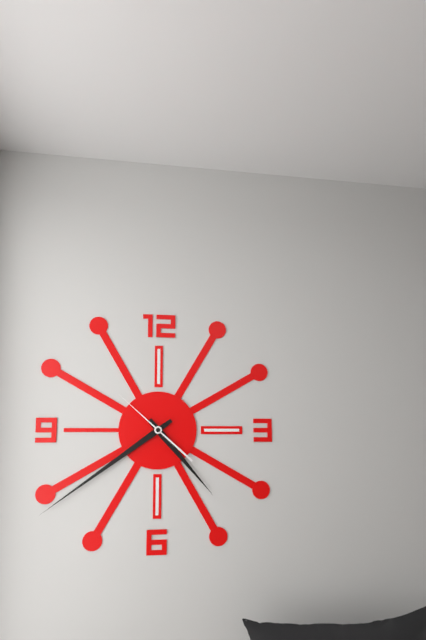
4.39.52
